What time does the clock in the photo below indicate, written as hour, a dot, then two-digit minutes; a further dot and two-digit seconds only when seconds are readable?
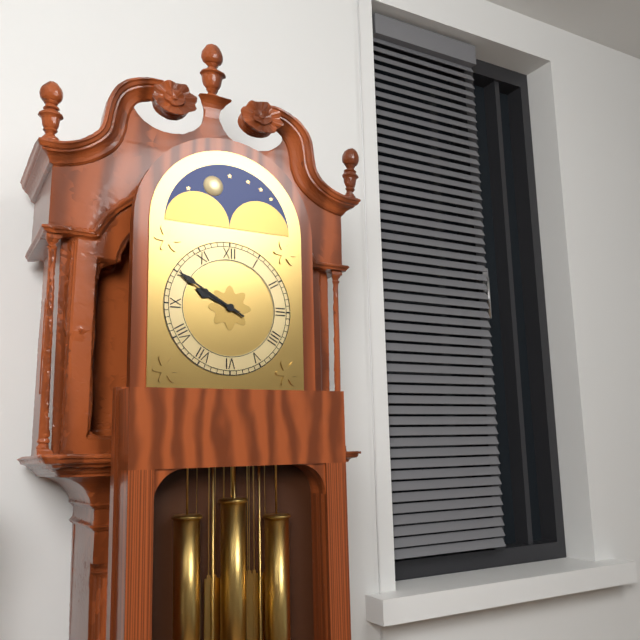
9.50
